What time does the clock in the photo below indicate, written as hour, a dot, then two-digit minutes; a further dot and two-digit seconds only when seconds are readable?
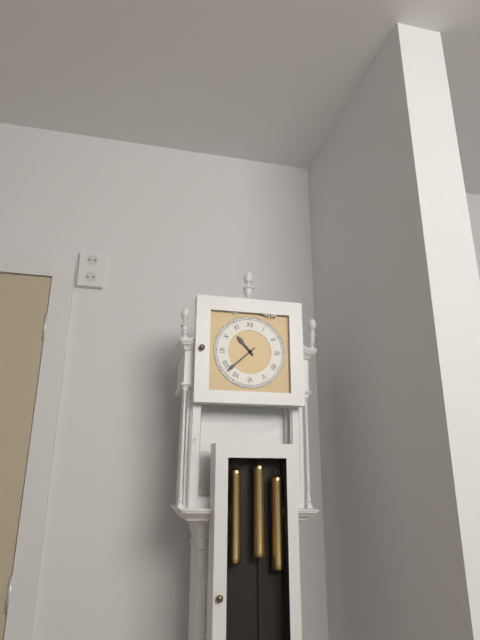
10.38
